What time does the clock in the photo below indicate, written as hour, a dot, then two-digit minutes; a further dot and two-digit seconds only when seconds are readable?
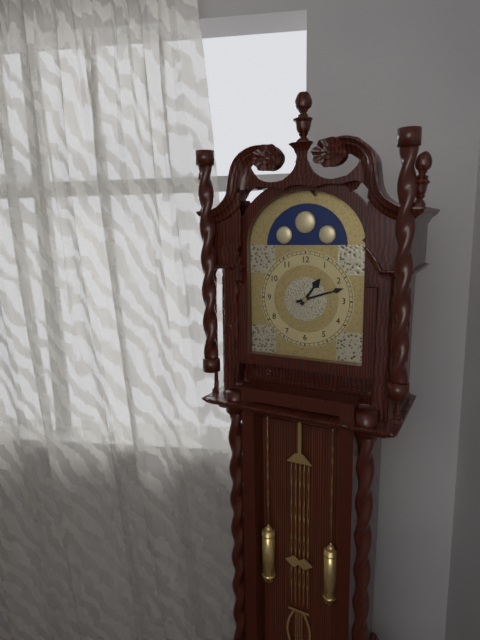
1.12
